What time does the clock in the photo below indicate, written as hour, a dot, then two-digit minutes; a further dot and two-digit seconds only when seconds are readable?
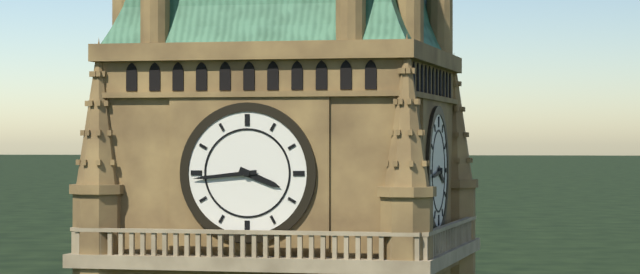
3.44
